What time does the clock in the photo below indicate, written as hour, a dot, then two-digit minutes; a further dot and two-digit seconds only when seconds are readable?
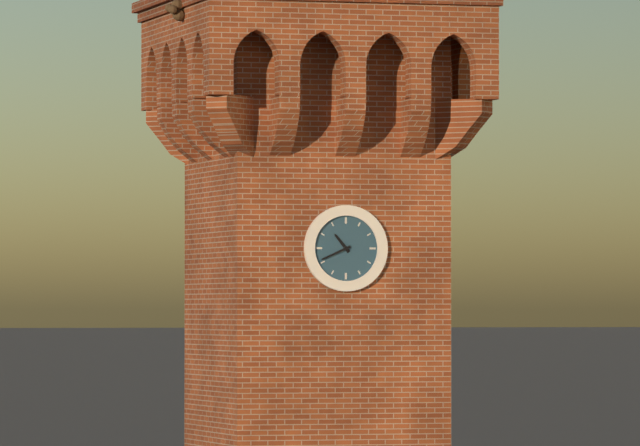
10.41
